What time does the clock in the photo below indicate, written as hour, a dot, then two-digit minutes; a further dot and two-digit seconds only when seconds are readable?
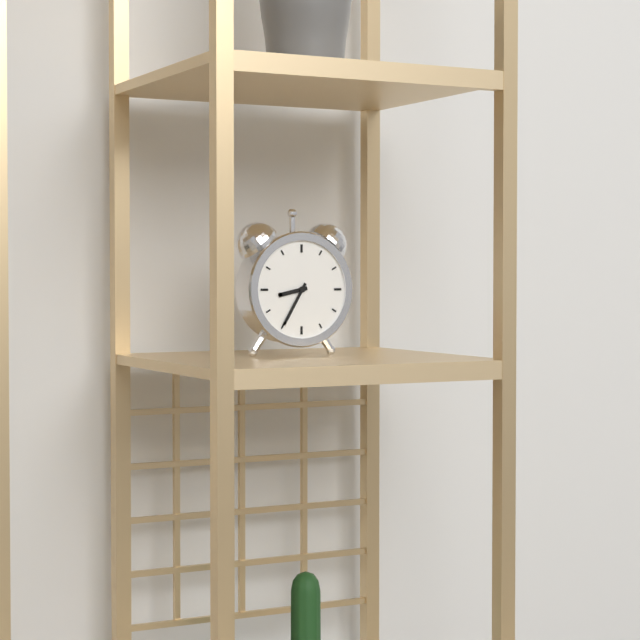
8.35
